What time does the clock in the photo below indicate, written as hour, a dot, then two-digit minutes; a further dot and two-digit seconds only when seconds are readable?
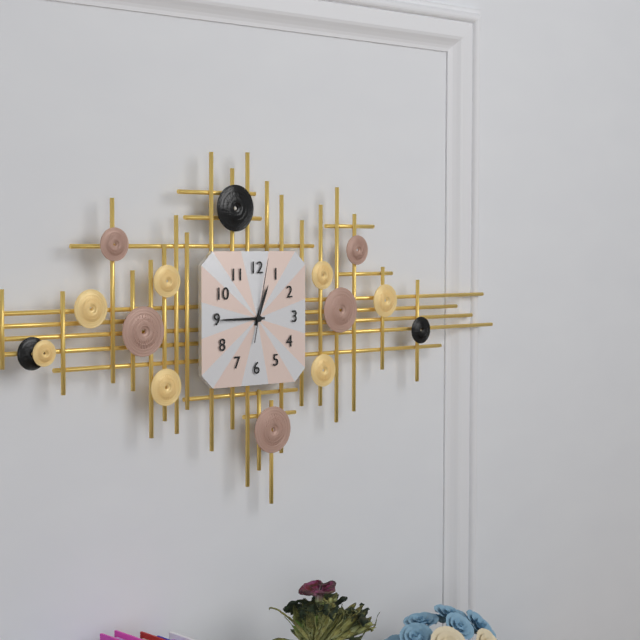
12.45.02
